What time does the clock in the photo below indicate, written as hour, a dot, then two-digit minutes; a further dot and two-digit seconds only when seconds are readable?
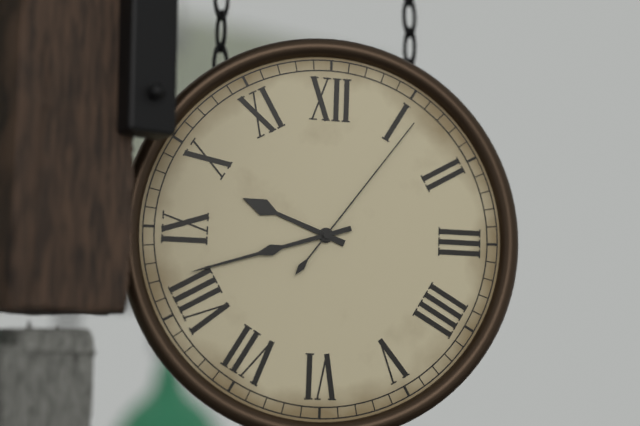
9.42.06
